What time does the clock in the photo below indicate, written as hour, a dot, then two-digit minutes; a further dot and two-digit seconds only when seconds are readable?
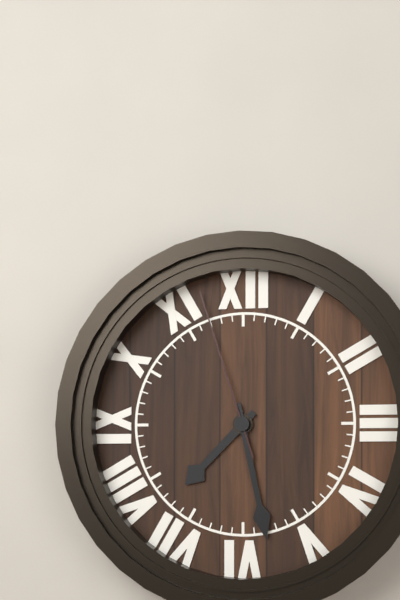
7.28.57
